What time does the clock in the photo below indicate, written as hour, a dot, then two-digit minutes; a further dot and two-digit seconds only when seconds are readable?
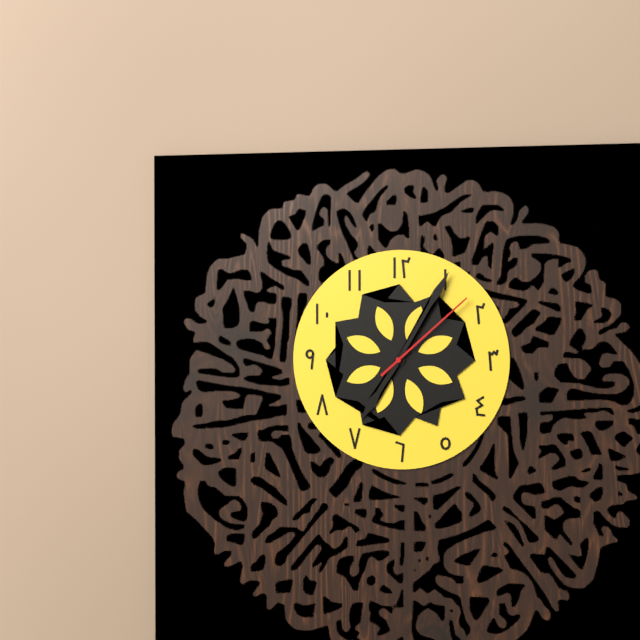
7.05.08
